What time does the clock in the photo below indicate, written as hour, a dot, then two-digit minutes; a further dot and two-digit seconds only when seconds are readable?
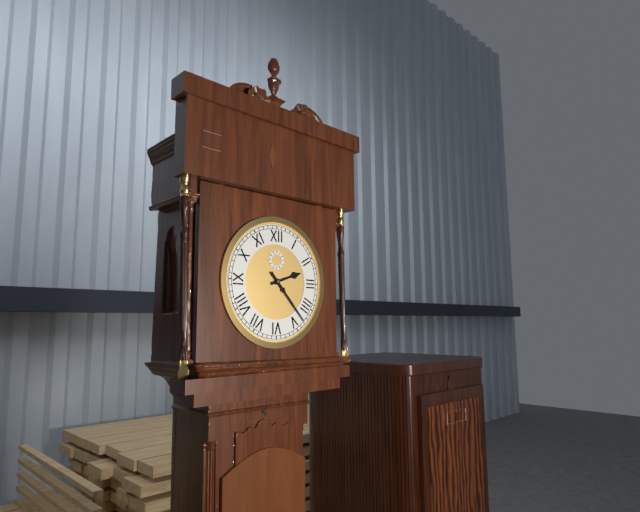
2.23
